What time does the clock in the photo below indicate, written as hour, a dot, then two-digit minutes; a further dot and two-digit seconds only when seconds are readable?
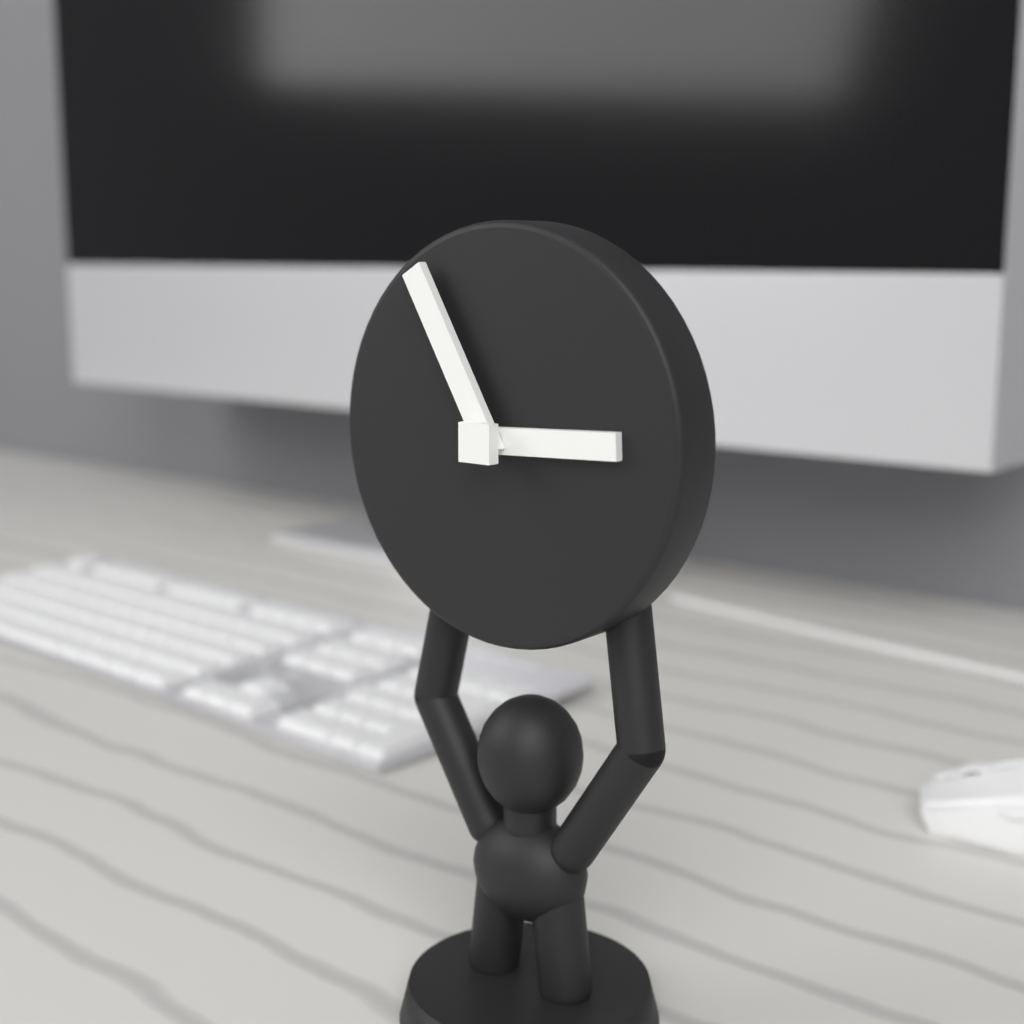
2.55
